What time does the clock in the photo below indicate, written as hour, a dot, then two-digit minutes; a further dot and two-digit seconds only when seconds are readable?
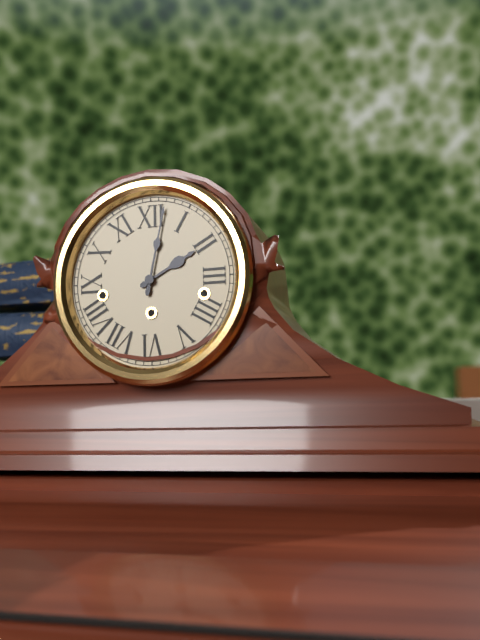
2.02
